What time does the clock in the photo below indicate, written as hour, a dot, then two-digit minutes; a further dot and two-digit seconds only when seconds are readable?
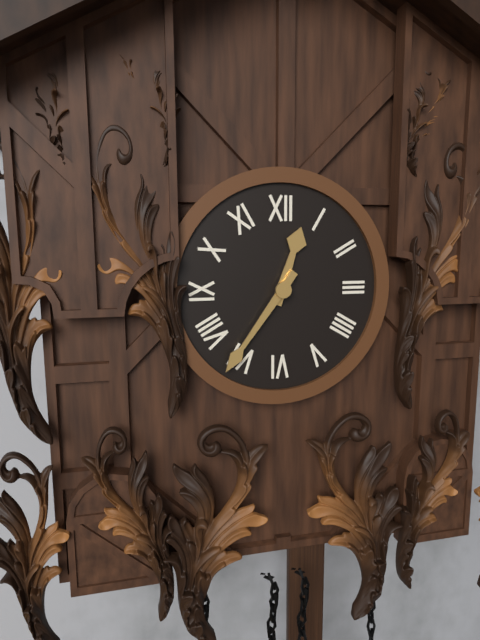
12.36
